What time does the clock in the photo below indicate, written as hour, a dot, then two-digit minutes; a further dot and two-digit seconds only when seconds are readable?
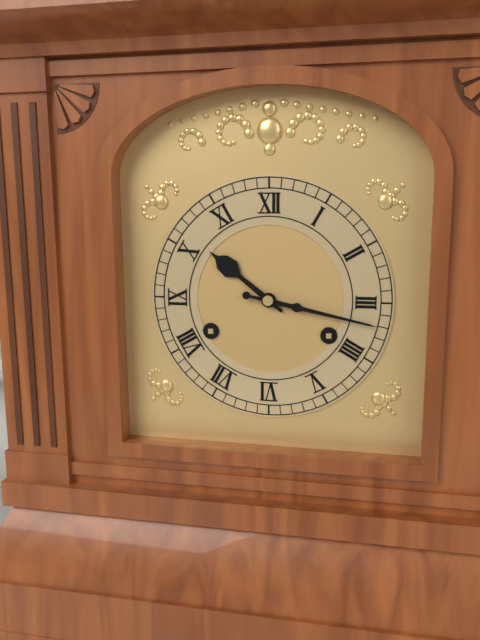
10.17
